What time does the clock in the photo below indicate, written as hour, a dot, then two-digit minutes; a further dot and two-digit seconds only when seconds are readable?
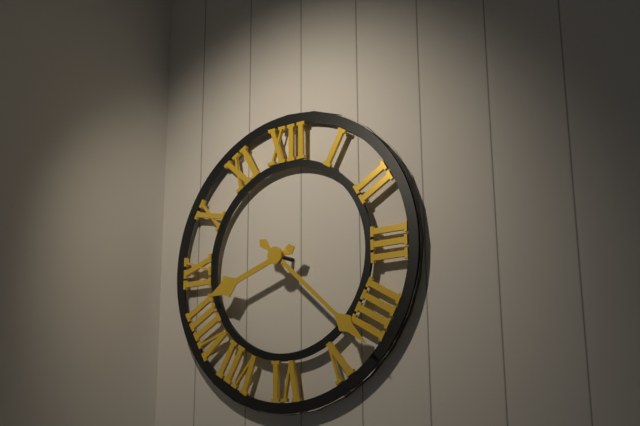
8.22
